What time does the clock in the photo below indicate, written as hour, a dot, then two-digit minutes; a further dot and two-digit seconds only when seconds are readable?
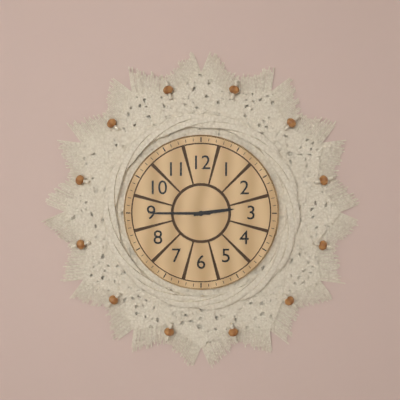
2.45
